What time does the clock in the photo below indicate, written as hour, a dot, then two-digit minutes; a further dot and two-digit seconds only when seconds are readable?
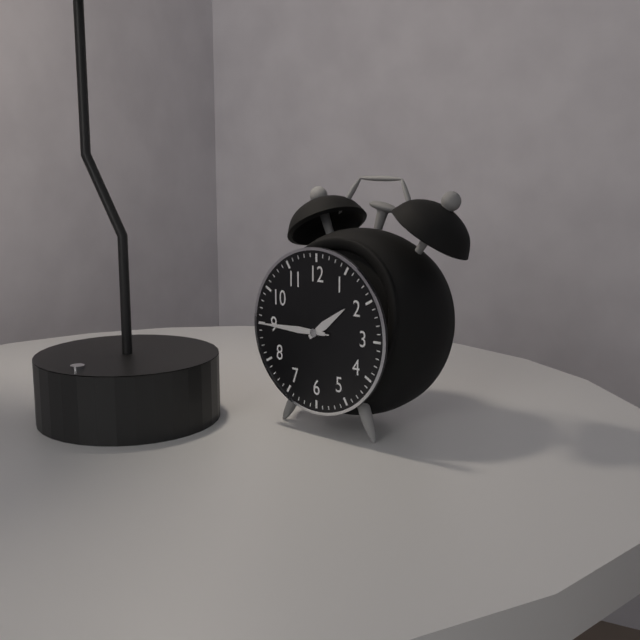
1.45.45
